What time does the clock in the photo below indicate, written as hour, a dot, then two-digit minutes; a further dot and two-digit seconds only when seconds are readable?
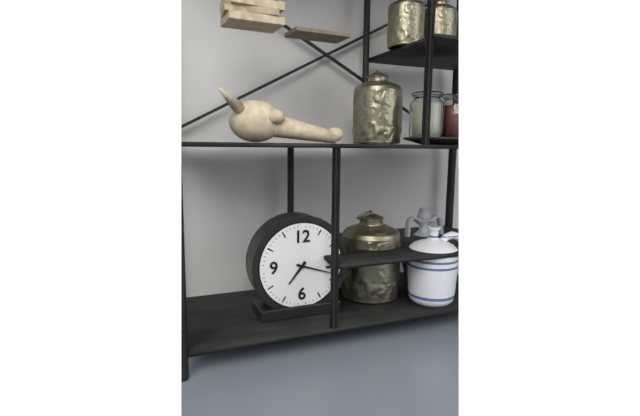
7.18
